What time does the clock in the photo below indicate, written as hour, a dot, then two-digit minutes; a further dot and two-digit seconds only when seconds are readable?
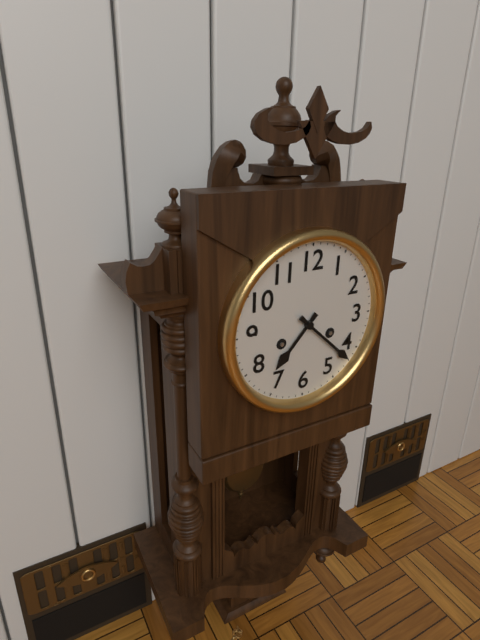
7.22
